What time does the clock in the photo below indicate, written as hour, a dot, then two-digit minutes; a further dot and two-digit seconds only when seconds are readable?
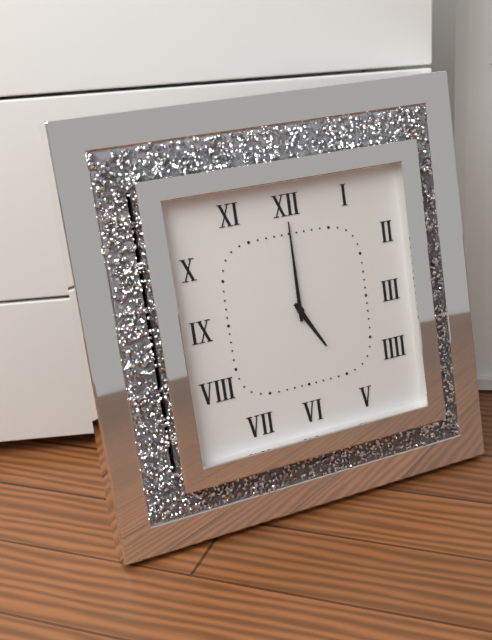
5.00
